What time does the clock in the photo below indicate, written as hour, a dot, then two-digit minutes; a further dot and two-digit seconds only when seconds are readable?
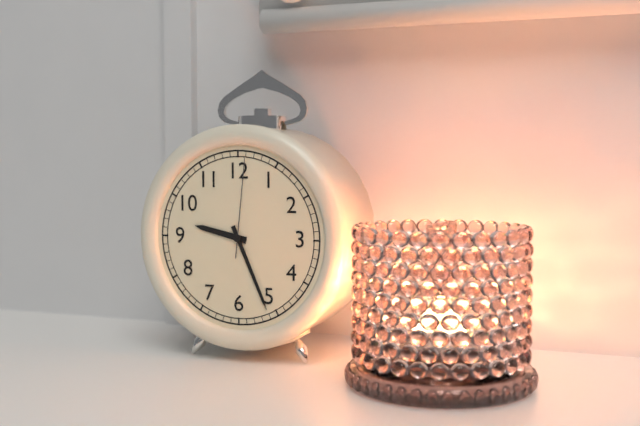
9.26.01
